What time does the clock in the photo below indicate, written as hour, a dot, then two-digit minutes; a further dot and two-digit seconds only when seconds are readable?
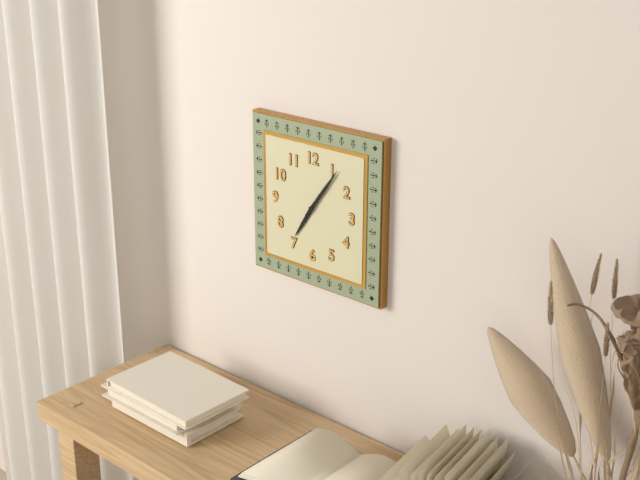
7.06
